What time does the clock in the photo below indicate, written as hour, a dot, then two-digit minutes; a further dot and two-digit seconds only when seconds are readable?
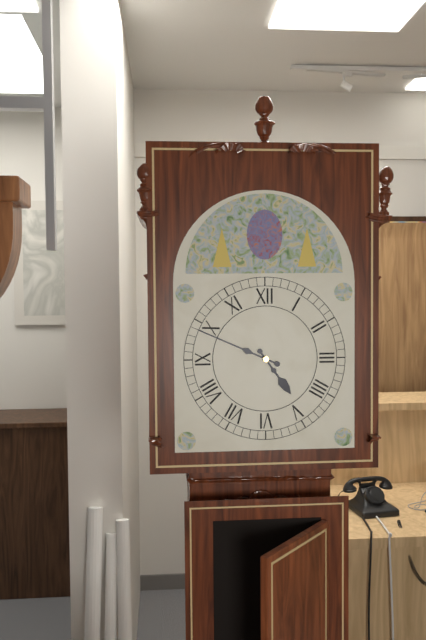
4.49
